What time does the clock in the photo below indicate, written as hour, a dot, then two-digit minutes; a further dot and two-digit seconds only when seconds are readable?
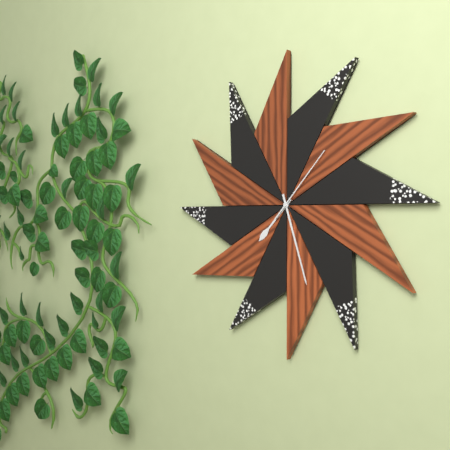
7.27.07
